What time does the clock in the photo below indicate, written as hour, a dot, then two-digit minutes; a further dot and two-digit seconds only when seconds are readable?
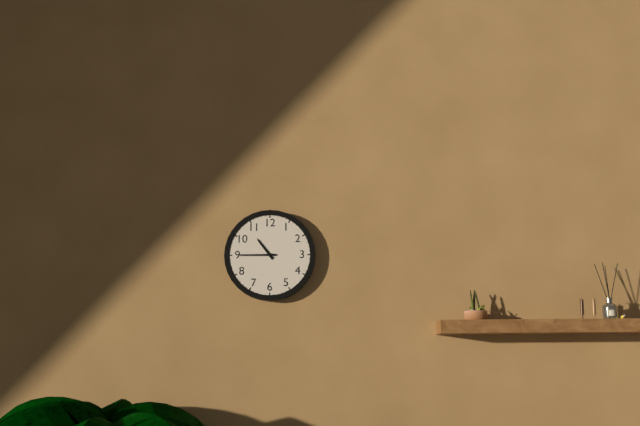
10.45
